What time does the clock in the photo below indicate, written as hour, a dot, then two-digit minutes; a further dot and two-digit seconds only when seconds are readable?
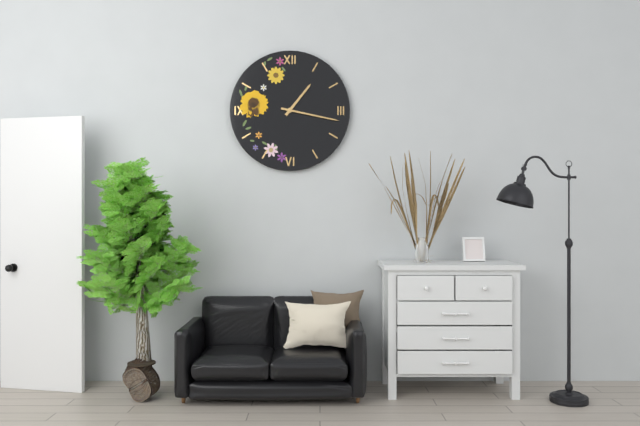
1.17
